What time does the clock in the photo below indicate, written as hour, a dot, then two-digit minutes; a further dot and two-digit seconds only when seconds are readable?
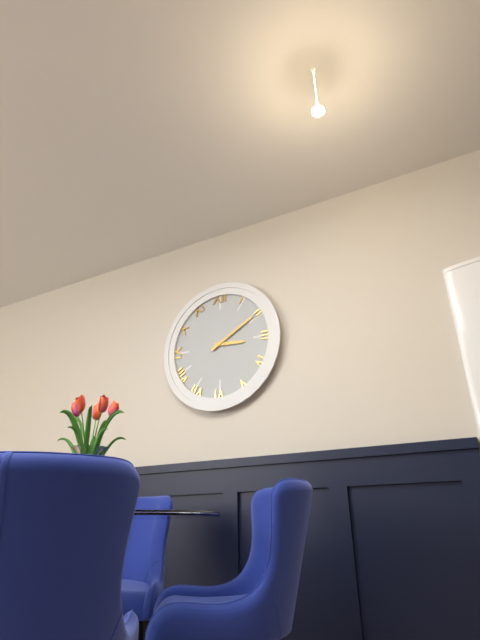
3.10
